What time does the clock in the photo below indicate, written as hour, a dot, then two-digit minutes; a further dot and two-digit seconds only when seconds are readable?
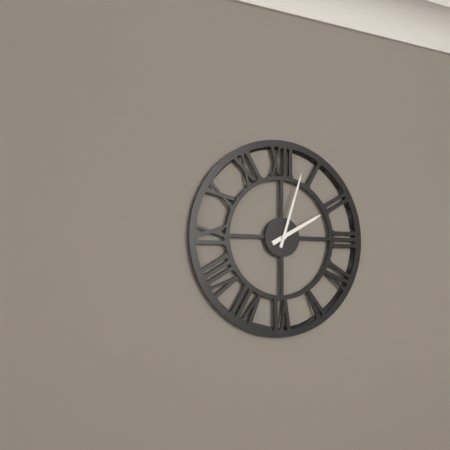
2.03
